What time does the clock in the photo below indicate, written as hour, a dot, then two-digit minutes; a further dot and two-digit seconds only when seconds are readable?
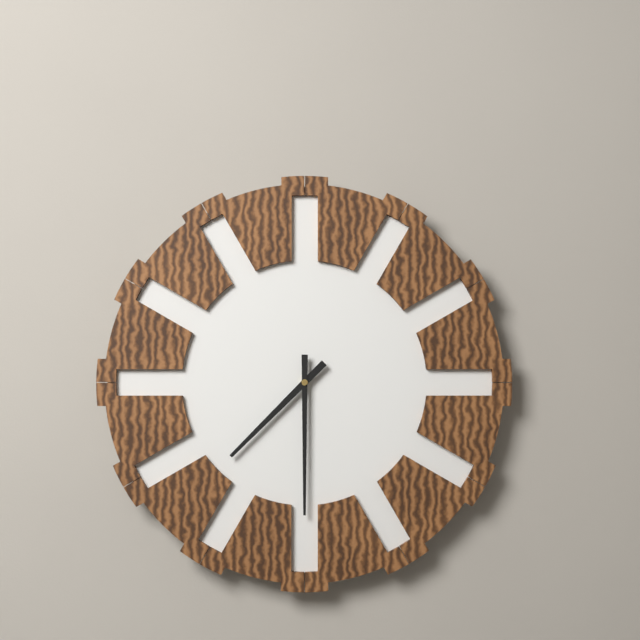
7.30
